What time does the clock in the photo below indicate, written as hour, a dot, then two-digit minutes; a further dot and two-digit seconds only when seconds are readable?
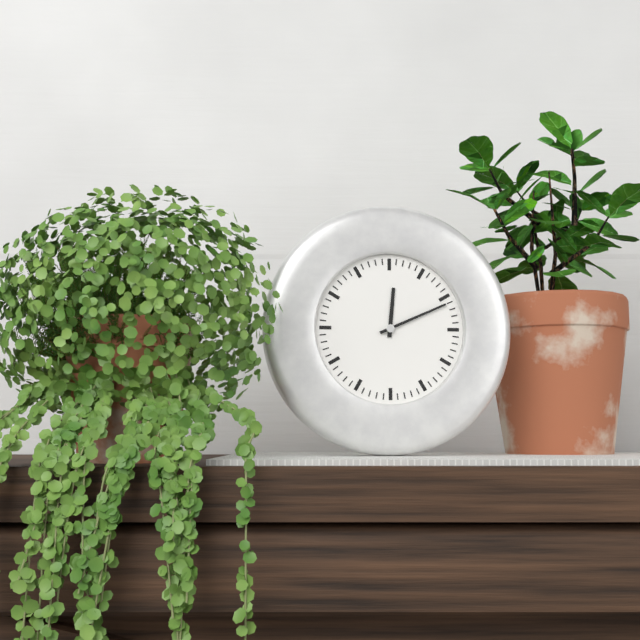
12.11
